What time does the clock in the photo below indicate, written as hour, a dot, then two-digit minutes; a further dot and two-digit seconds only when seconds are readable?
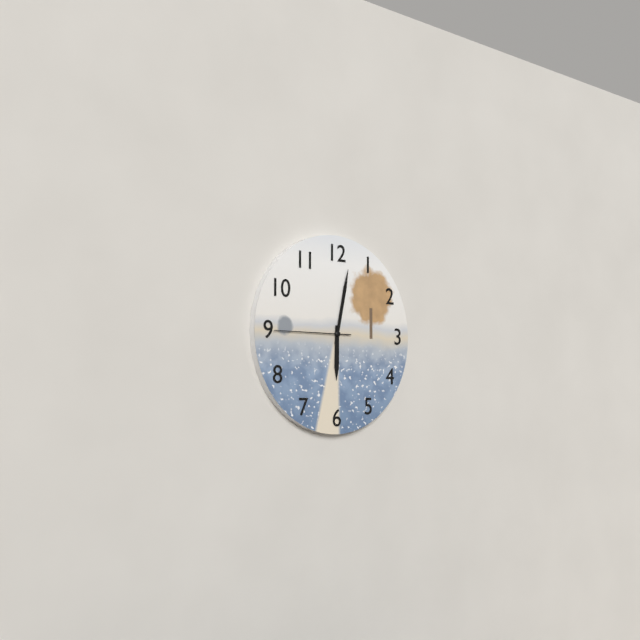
6.02.45
